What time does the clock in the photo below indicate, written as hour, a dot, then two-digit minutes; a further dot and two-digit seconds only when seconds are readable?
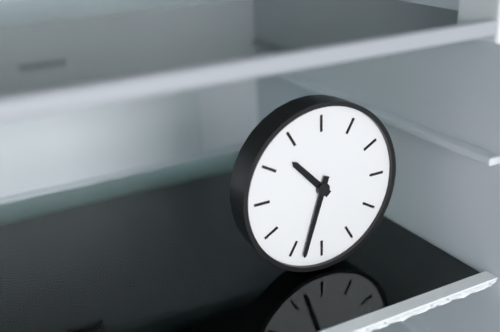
10.33
